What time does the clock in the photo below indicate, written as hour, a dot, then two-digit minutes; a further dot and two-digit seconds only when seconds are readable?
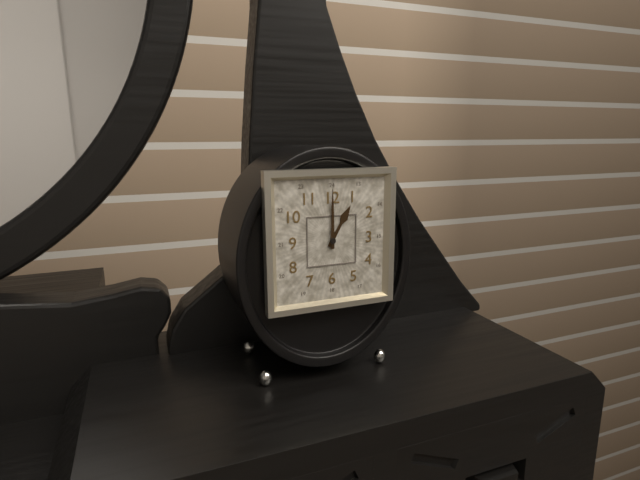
1.00
